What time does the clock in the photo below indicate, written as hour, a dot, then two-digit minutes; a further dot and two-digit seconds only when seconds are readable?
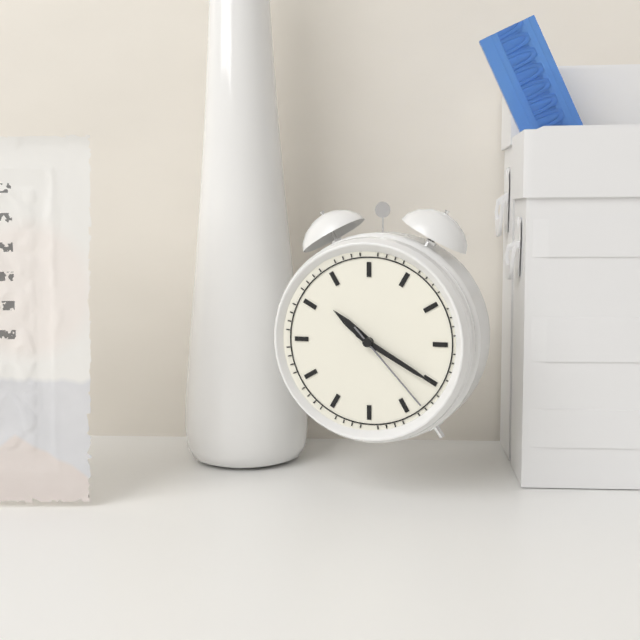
10.20.23
